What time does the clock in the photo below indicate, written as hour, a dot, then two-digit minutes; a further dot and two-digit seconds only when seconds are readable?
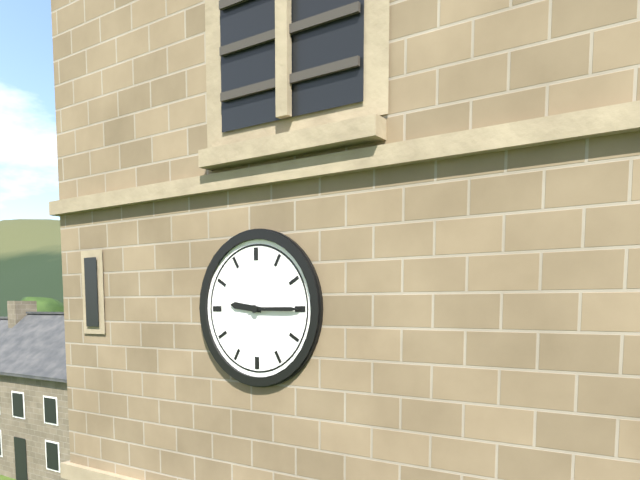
9.15
